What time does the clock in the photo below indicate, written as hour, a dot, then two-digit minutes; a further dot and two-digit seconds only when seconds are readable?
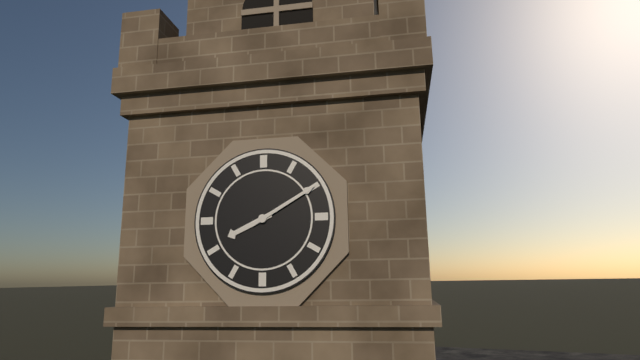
8.10
